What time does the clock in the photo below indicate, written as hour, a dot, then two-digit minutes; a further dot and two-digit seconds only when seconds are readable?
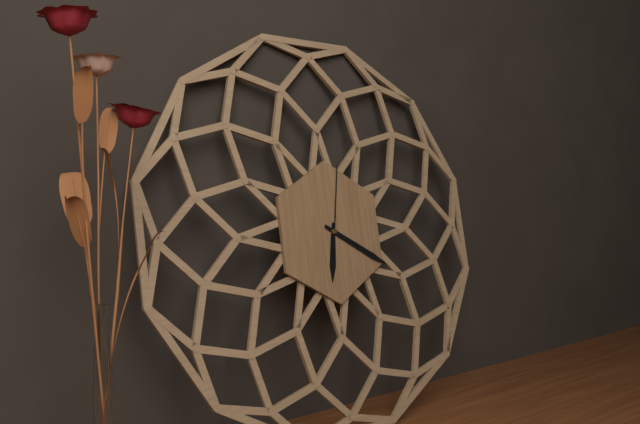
6.20.02
